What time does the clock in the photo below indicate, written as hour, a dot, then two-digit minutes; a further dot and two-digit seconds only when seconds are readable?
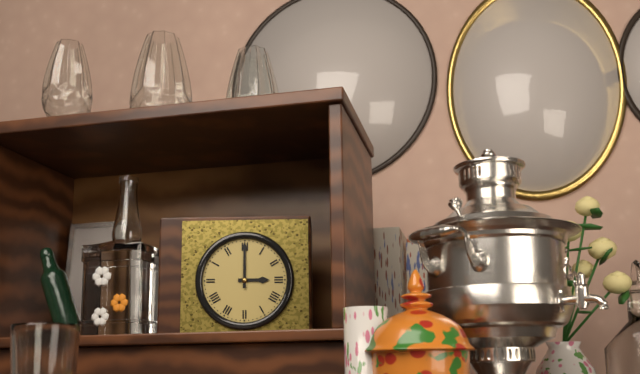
3.00
